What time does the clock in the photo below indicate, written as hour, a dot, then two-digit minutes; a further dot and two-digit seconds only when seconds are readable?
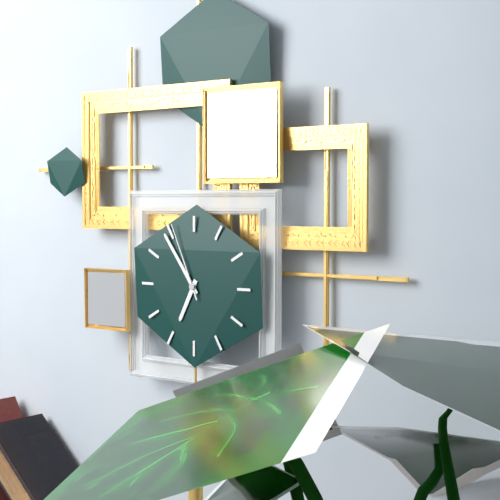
6.54.56
